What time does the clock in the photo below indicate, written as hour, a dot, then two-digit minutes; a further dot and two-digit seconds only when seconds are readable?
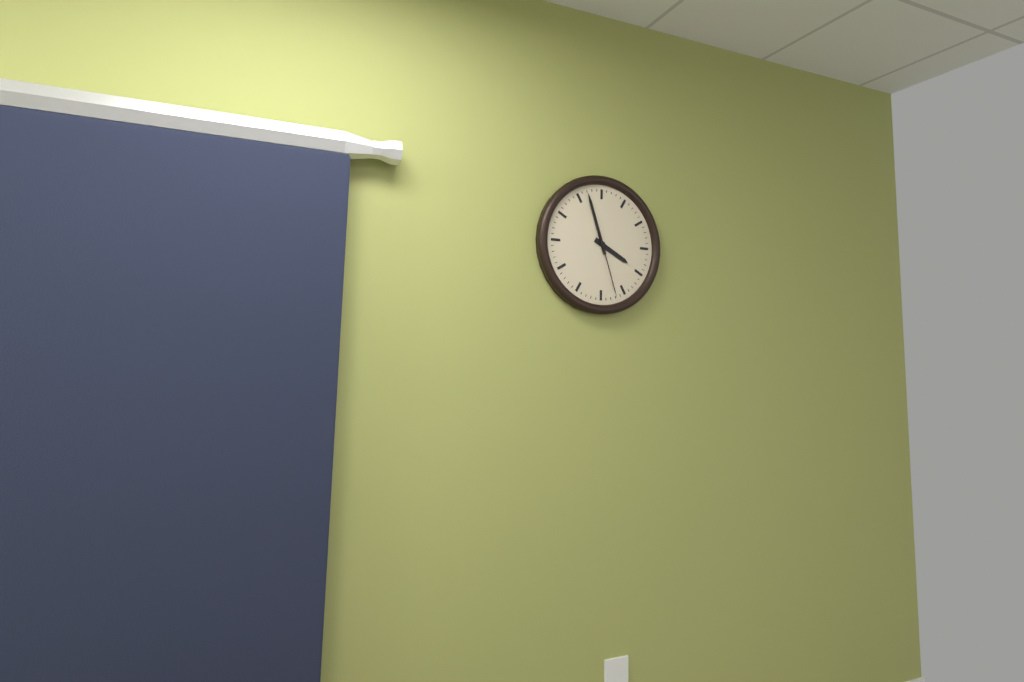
3.57.27
